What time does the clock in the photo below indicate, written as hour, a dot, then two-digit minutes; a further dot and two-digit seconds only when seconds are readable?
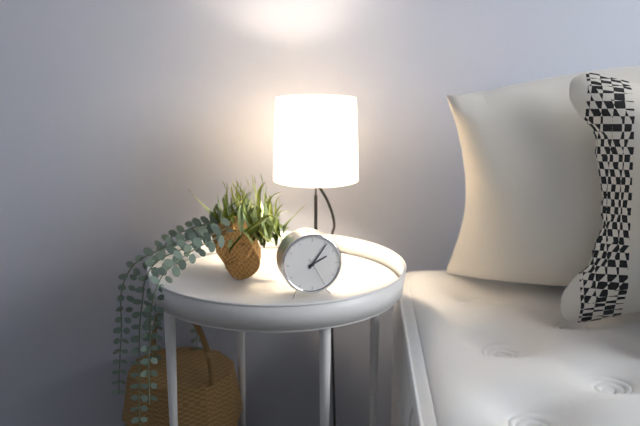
2.06
